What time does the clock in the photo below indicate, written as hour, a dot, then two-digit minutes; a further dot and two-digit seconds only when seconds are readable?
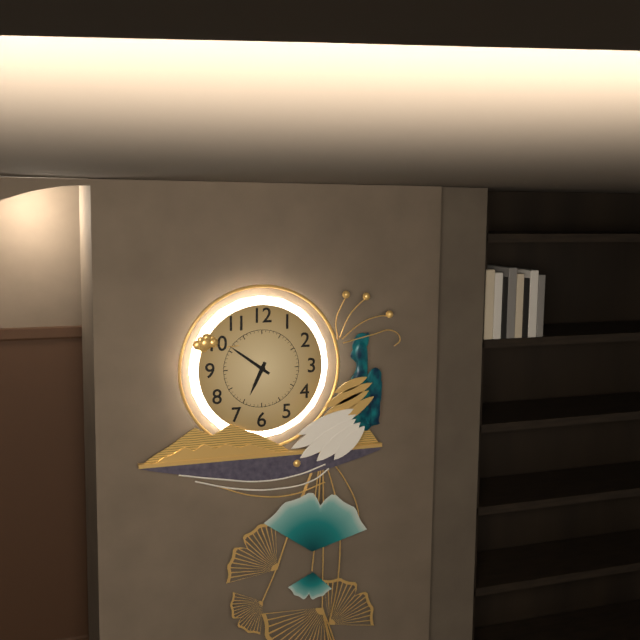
6.51
